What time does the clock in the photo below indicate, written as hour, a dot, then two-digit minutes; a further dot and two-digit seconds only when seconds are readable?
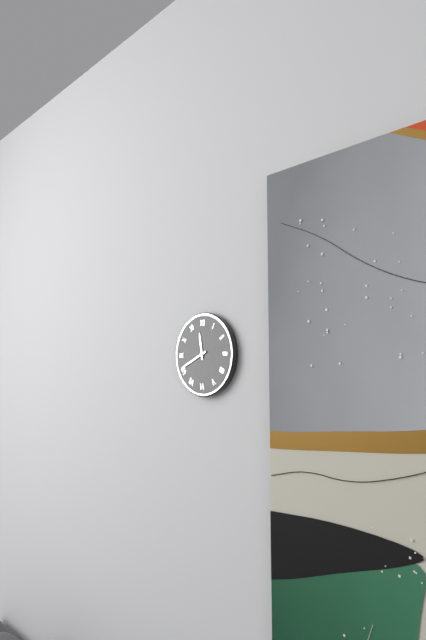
11.41
